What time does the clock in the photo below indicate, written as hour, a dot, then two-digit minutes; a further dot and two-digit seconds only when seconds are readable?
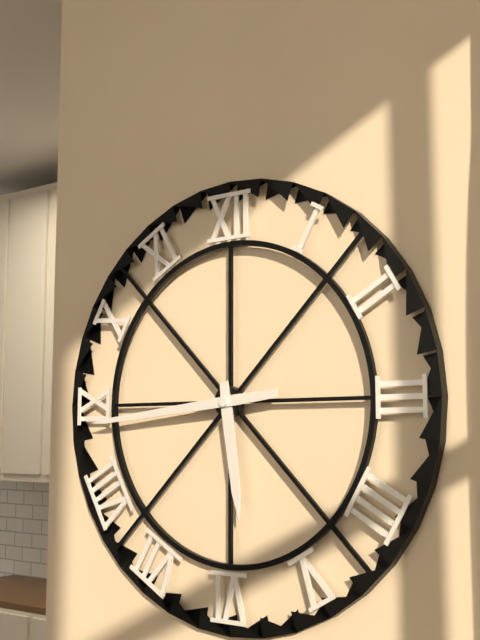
5.44
